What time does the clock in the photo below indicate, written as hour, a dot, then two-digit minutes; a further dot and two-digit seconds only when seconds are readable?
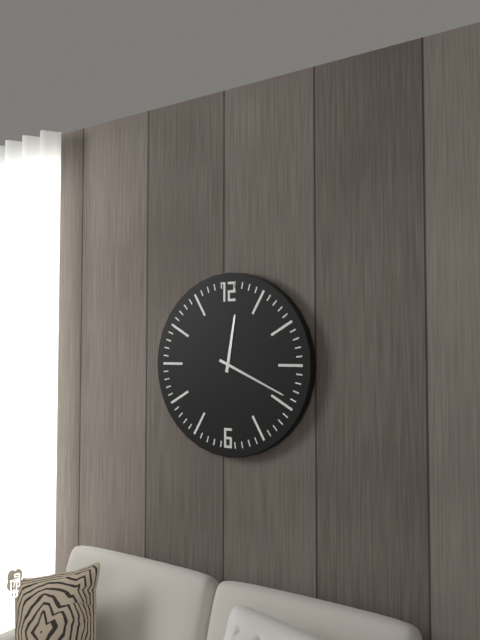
12.19
